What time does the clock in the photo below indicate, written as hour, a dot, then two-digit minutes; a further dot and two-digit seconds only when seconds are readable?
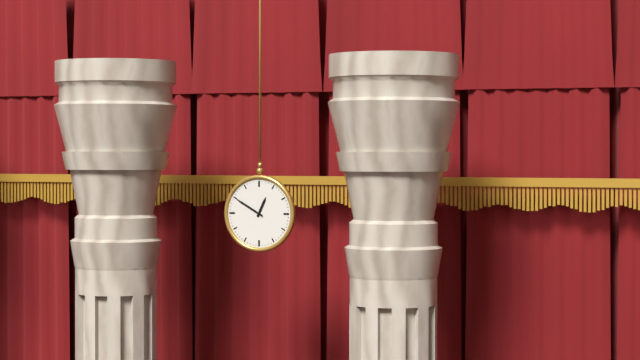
12.50
